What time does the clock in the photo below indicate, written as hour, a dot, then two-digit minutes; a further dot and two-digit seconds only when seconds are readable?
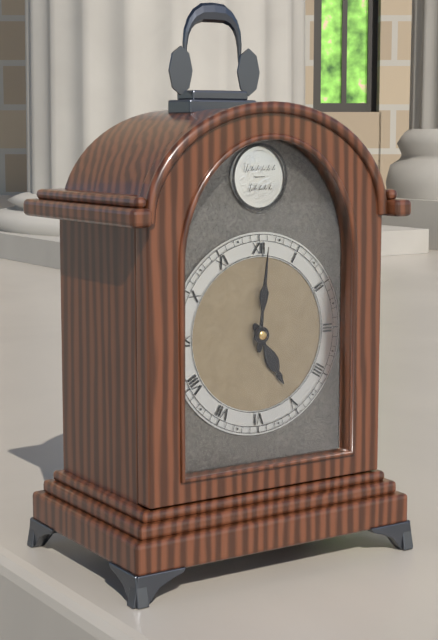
5.01
